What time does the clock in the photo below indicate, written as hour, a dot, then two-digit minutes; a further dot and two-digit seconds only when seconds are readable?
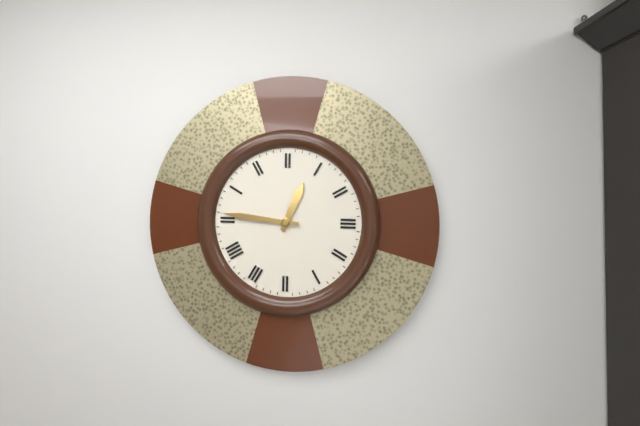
12.46
